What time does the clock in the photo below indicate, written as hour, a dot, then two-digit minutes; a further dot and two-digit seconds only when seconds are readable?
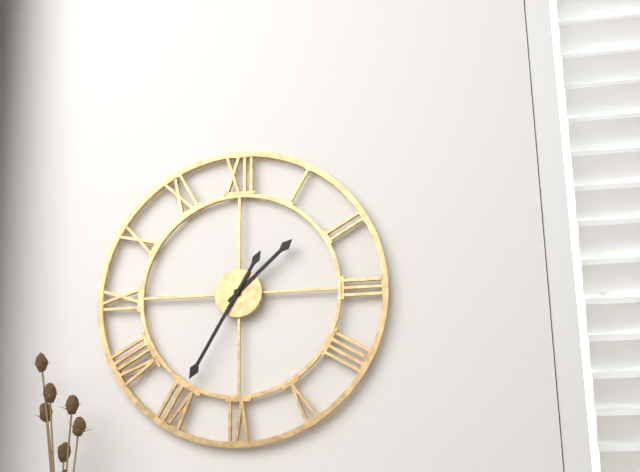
1.35
